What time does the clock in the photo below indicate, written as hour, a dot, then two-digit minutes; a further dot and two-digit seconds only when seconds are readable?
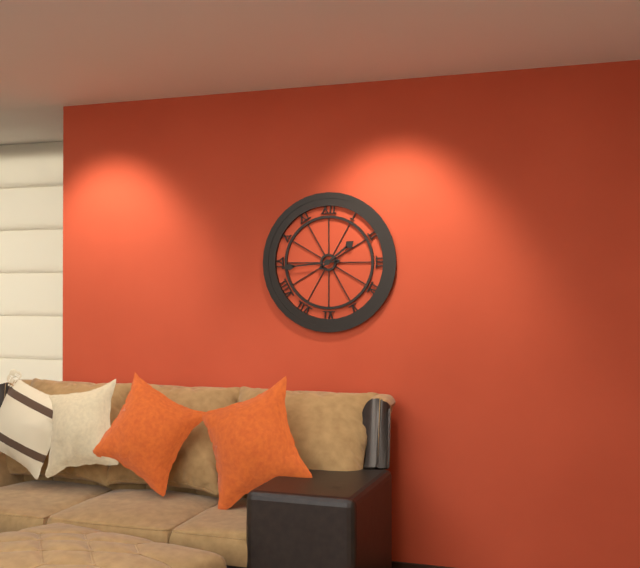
1.44
